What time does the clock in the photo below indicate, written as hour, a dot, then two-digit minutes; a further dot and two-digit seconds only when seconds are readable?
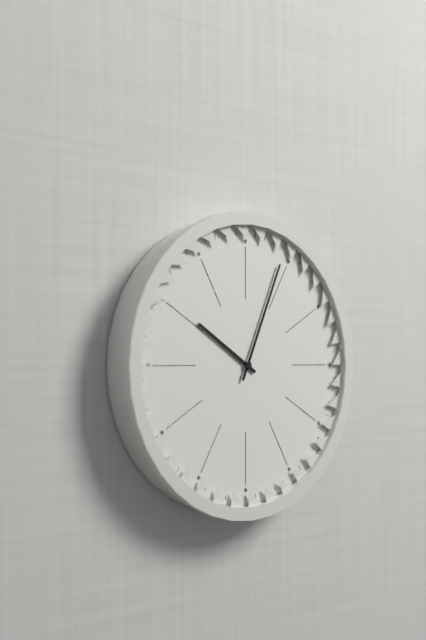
10.04
